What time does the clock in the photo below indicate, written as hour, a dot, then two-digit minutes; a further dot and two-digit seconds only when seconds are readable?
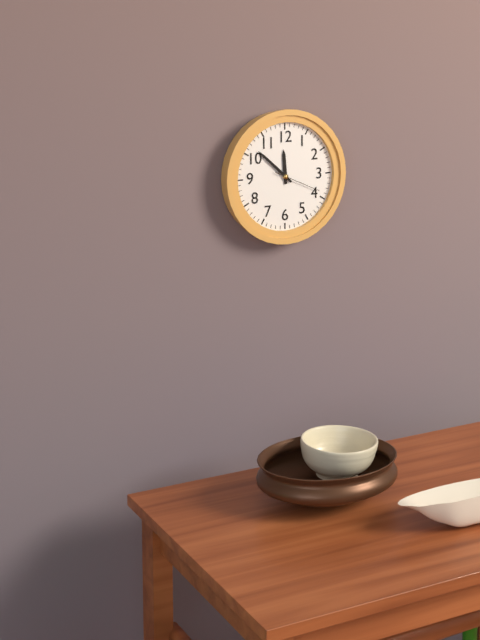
11.52
